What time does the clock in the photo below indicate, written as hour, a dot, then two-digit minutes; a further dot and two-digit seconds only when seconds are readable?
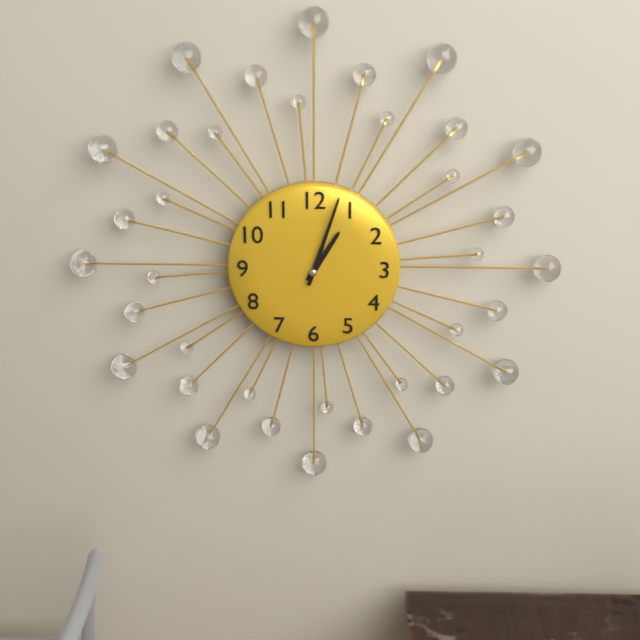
1.03
